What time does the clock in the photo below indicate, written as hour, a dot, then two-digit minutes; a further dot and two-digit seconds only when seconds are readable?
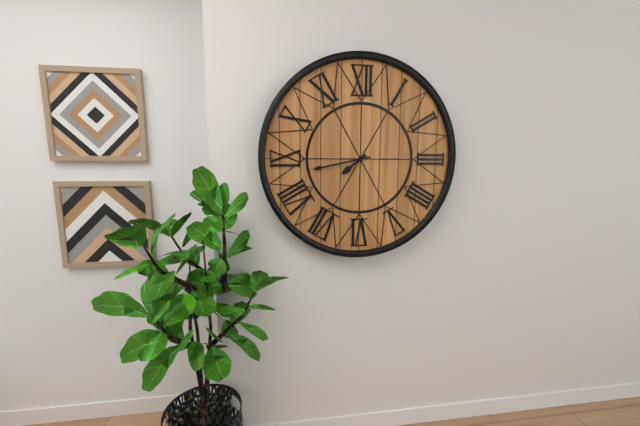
7.43
